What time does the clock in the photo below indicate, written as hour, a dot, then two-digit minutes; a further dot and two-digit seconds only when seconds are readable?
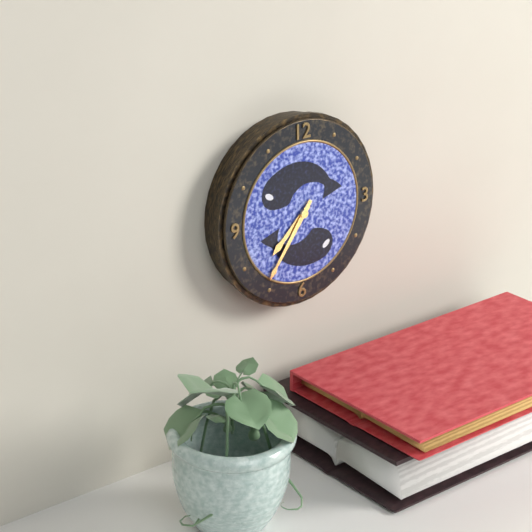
7.36
